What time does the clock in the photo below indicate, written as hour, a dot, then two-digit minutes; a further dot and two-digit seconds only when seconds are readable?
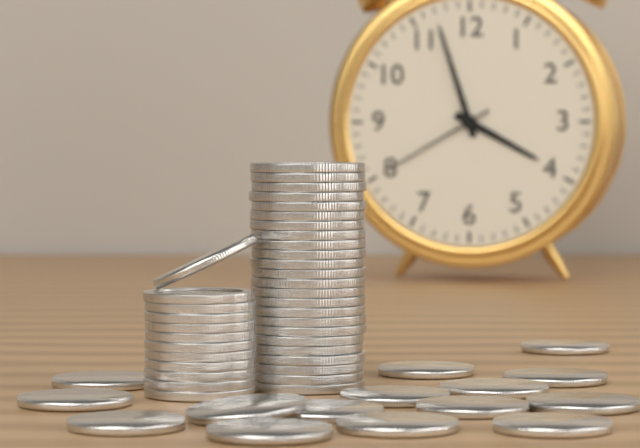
3.57.40
